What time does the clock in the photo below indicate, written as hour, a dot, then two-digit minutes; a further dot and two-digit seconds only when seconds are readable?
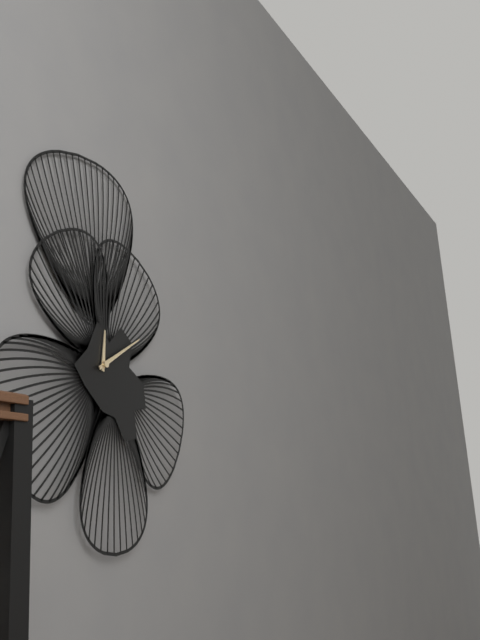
12.10
